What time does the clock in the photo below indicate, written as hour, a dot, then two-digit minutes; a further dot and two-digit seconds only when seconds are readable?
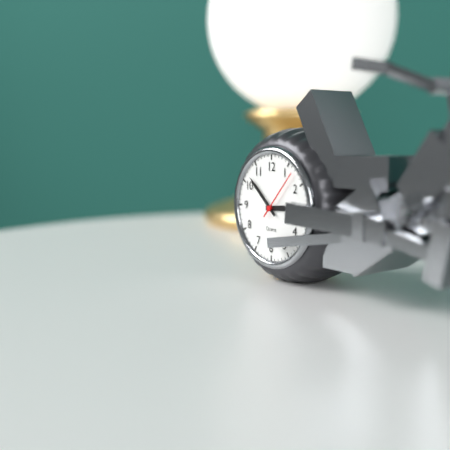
2.52.07
